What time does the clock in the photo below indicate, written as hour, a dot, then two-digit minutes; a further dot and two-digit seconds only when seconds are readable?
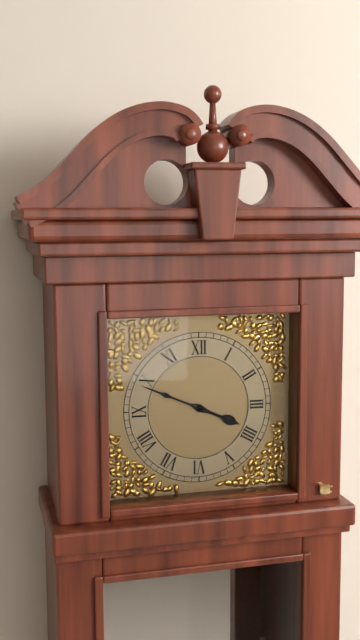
3.49
